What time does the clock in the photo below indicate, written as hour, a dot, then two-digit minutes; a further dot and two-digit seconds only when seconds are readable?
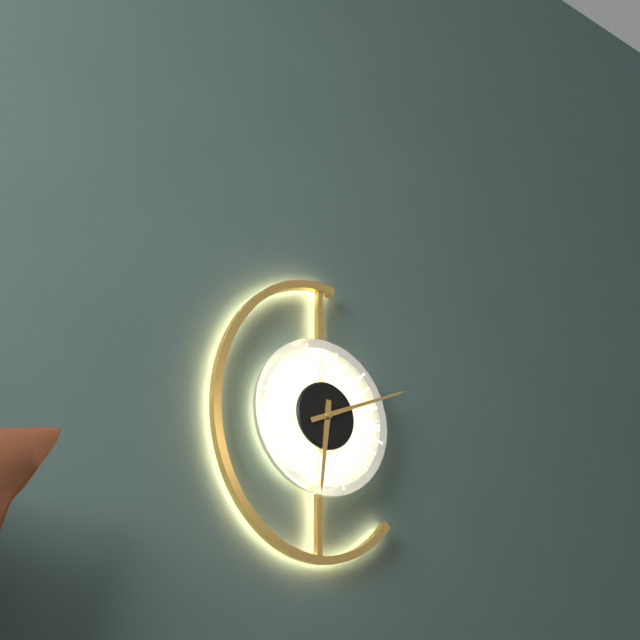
6.11
